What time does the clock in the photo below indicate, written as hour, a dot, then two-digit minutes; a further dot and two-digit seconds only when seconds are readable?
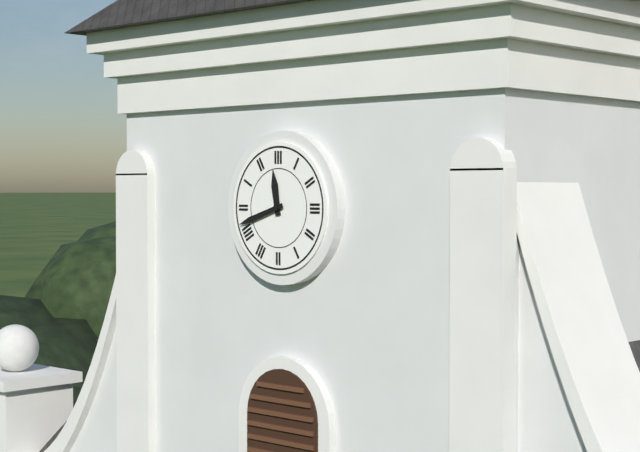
11.42
